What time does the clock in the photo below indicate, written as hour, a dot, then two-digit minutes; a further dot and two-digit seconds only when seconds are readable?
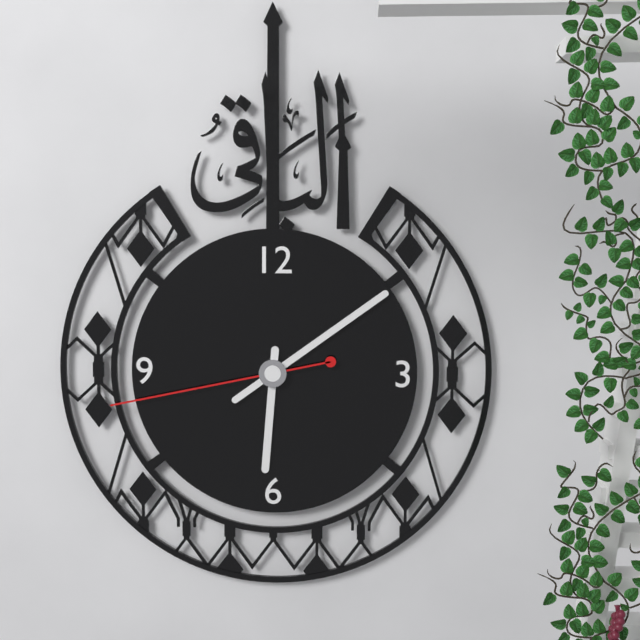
6.09.43
